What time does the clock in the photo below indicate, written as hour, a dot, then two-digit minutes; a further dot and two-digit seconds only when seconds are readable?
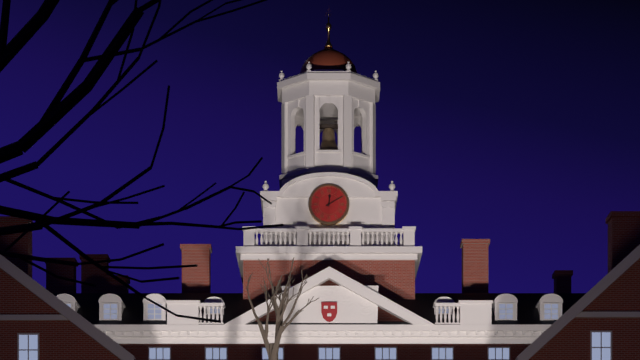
12.10
